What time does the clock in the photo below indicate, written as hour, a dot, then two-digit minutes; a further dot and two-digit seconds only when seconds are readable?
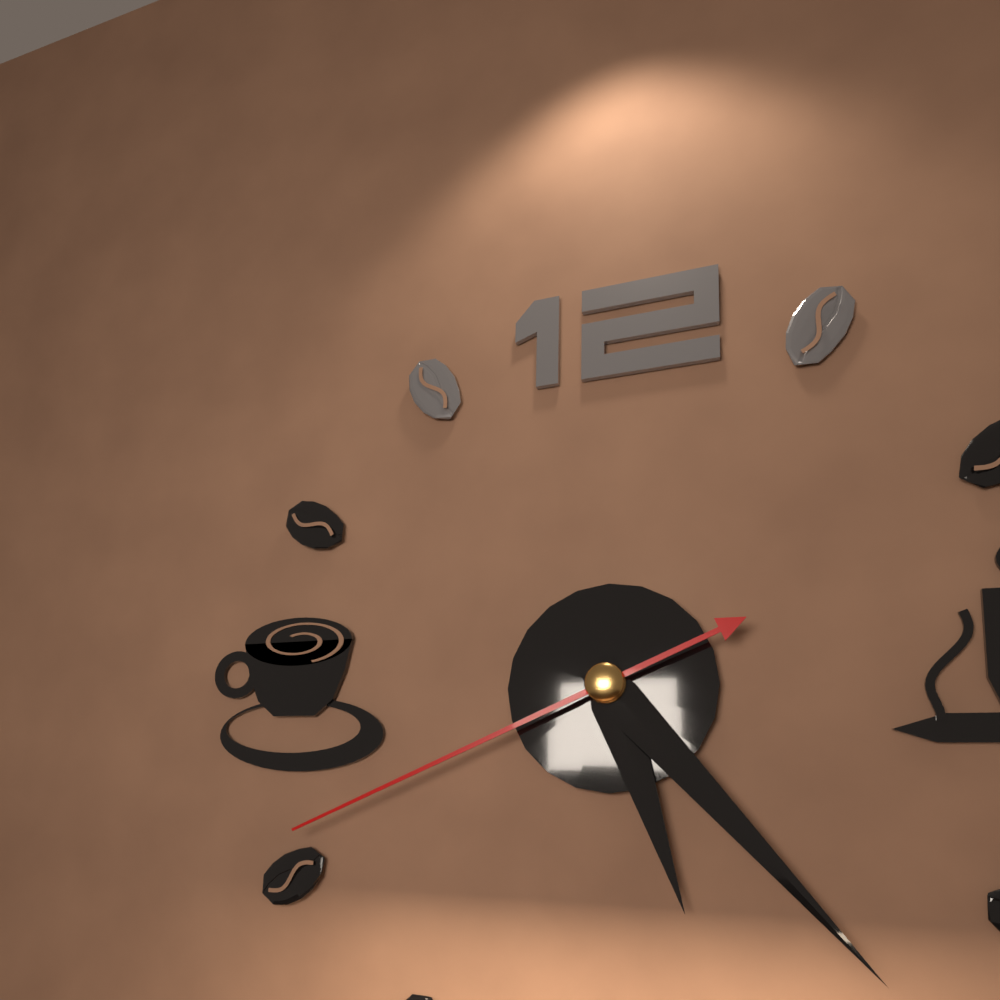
5.23.41
